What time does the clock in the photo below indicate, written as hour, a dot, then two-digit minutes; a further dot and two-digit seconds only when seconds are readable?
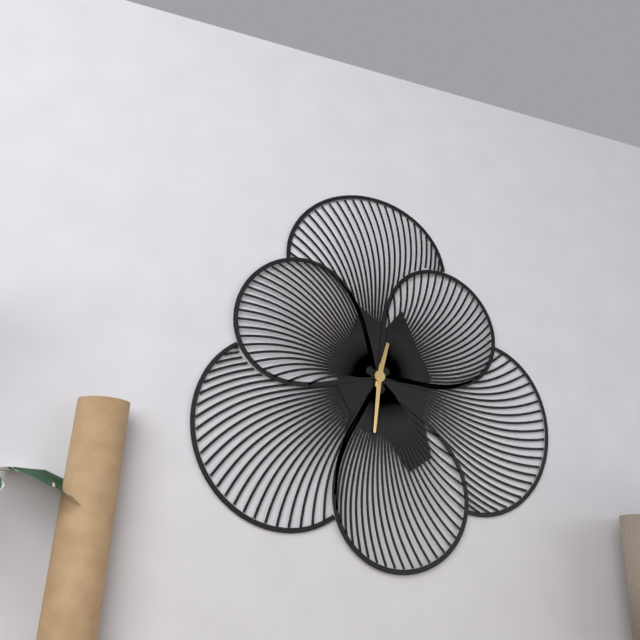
12.31
